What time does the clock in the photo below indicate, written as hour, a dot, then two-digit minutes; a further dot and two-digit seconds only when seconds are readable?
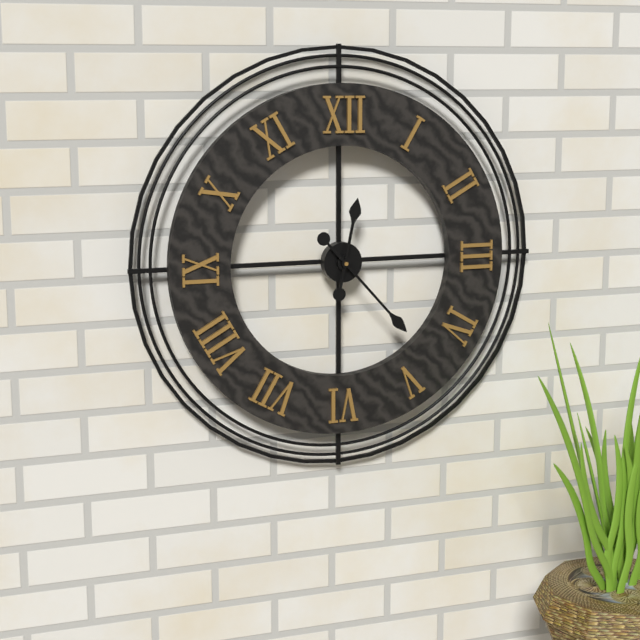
12.23
